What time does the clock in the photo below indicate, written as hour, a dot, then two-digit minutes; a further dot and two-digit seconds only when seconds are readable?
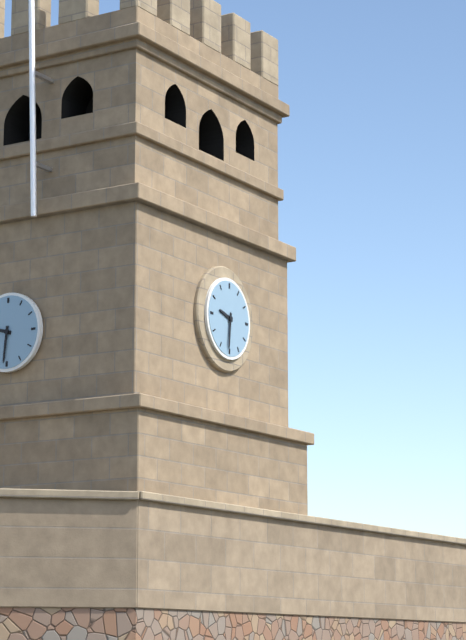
9.31
